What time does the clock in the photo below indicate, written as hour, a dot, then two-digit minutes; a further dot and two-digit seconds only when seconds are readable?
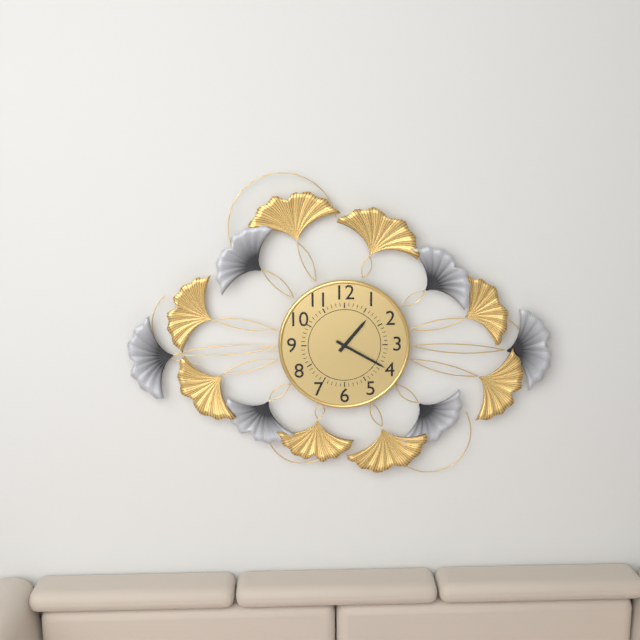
1.20
